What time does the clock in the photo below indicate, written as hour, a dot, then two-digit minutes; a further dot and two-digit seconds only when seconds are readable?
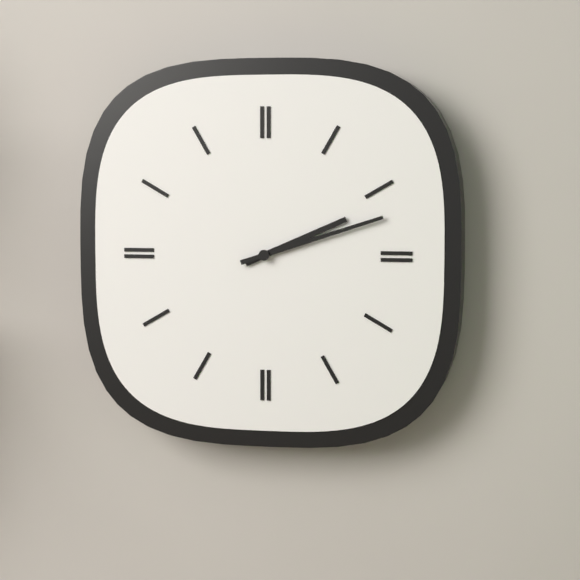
2.12
